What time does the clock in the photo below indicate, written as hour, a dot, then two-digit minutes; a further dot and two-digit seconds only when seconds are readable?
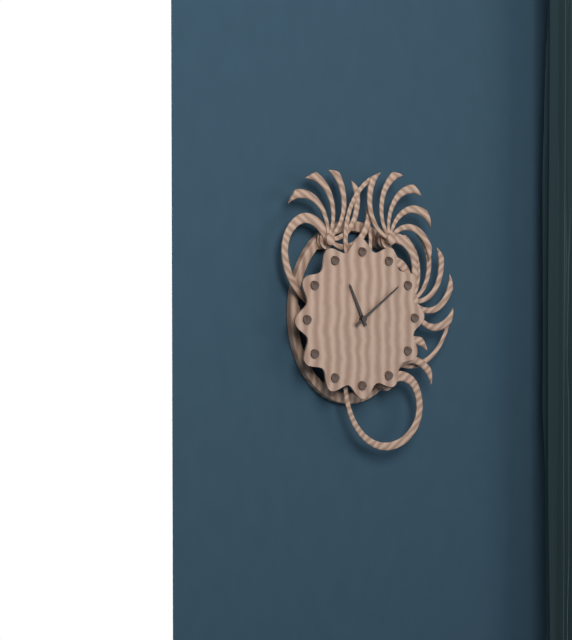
11.09
